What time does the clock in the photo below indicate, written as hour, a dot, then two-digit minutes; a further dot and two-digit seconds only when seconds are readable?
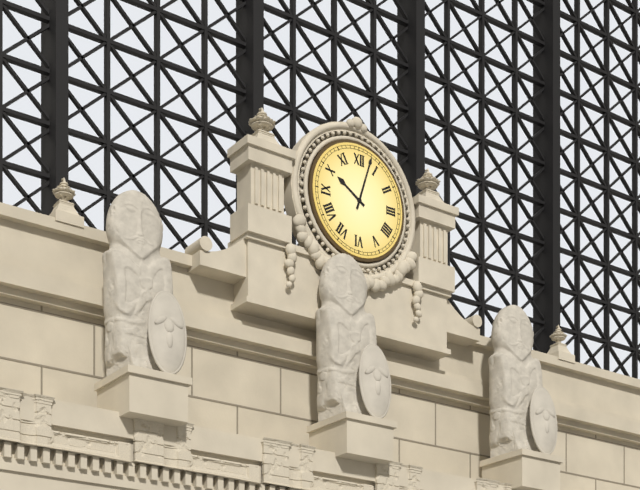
10.03
